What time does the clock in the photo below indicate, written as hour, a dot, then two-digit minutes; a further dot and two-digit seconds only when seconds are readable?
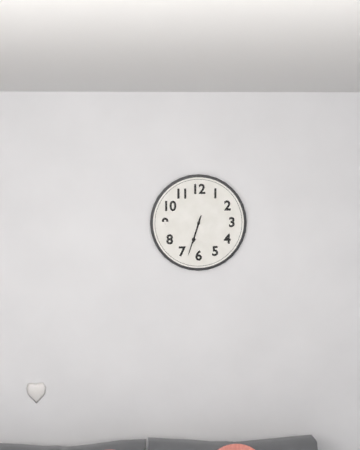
6.33
